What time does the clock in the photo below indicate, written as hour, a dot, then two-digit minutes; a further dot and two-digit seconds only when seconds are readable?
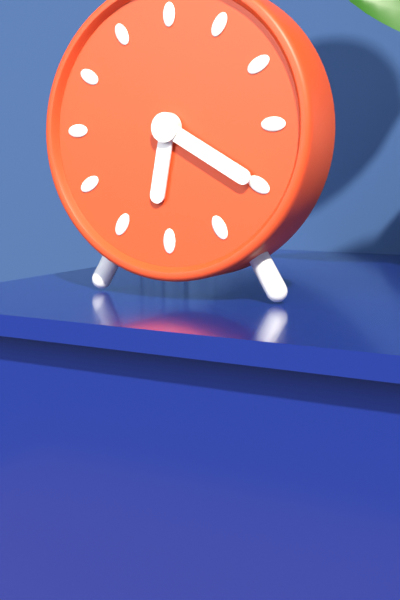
6.20
